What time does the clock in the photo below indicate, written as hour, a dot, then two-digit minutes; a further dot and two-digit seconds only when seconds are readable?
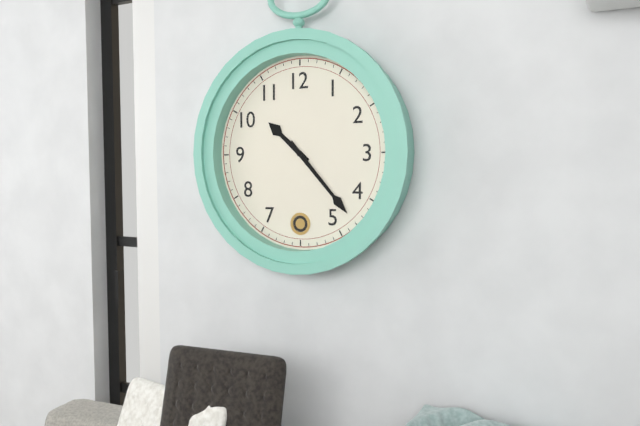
10.23
